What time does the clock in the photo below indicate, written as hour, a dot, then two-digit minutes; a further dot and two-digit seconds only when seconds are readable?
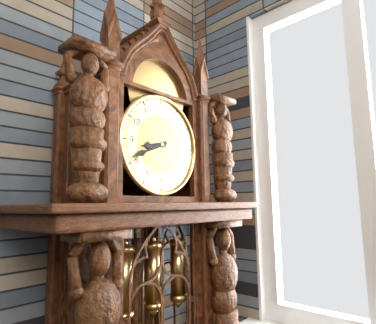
8.41
